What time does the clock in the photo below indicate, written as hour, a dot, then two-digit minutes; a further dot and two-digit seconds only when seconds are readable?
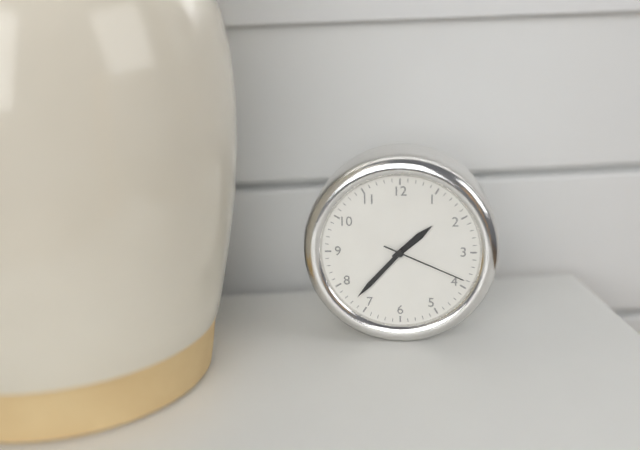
1.37.19
